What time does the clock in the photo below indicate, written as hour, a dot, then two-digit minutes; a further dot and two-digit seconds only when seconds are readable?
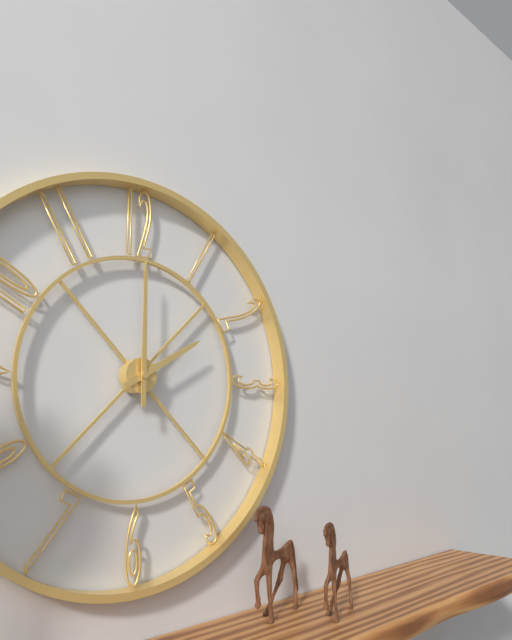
2.00
